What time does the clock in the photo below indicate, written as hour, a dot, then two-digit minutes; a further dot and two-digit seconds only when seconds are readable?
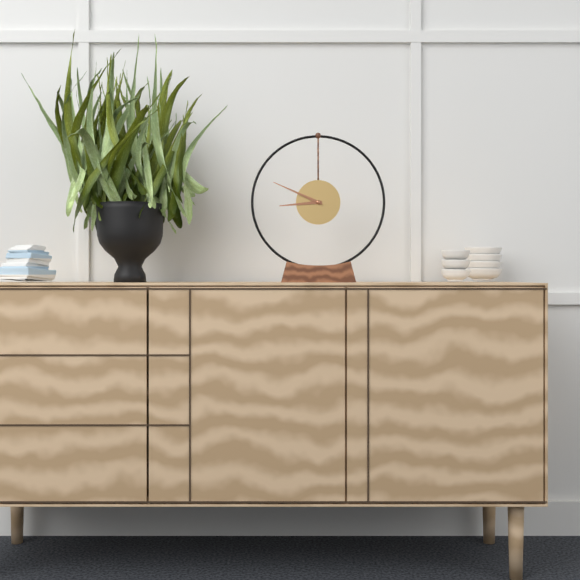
8.49
